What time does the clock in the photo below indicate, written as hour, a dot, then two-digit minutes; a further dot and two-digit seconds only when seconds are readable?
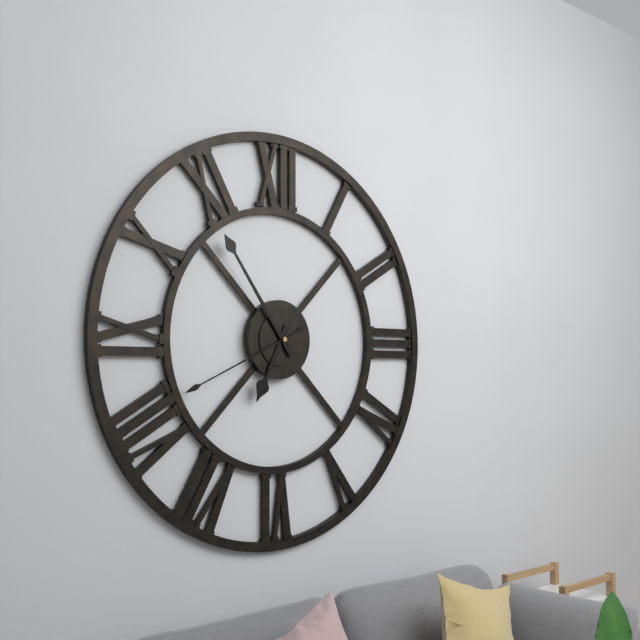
6.54.41
